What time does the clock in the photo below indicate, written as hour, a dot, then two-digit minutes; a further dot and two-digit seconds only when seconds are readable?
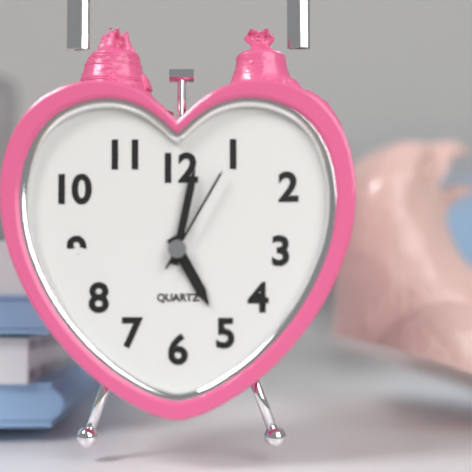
5.02.05
